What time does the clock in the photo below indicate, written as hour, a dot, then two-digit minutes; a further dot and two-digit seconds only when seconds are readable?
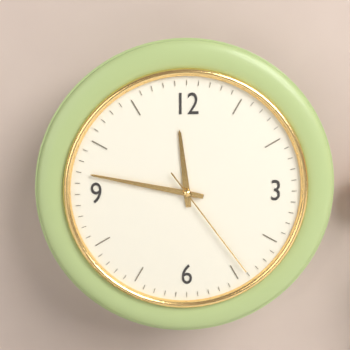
11.47.24
